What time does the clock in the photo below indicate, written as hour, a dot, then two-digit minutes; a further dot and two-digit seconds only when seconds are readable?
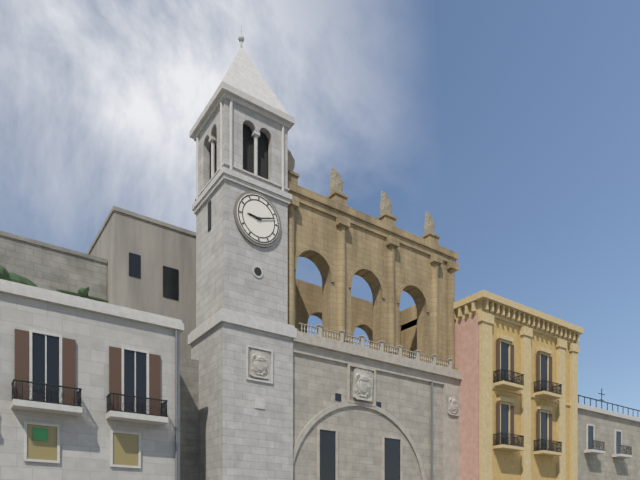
9.12
